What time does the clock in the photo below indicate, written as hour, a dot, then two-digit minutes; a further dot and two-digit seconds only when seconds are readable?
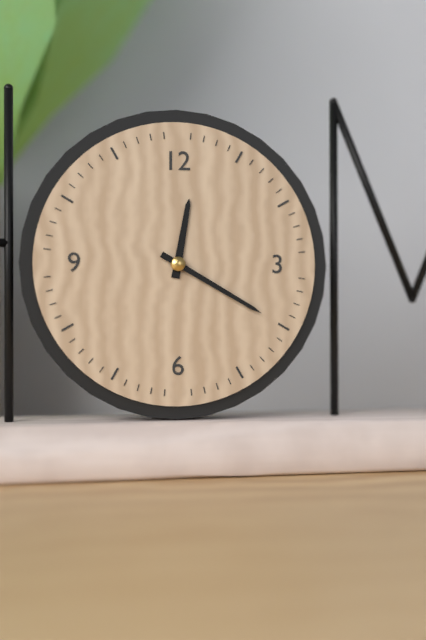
12.20
